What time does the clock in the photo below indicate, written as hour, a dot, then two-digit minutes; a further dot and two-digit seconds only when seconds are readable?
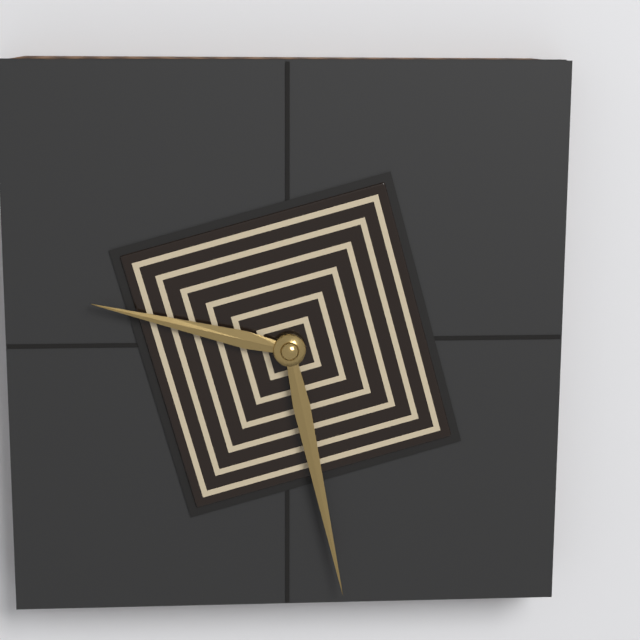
9.28
